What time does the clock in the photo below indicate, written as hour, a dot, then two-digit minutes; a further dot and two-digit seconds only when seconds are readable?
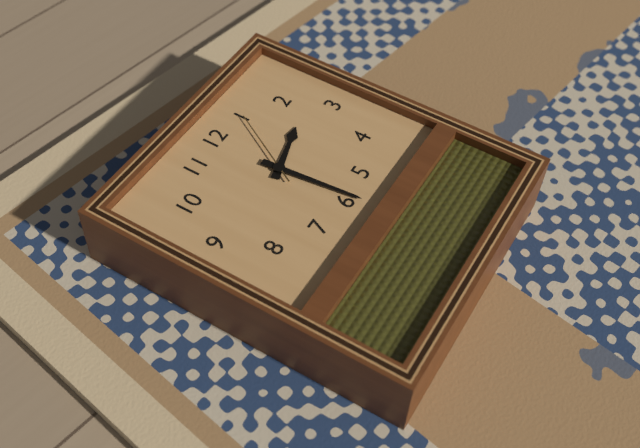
2.29.05
